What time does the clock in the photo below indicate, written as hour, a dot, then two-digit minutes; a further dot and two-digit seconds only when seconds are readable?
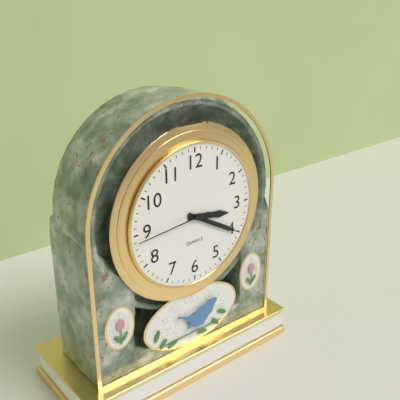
3.20.44
